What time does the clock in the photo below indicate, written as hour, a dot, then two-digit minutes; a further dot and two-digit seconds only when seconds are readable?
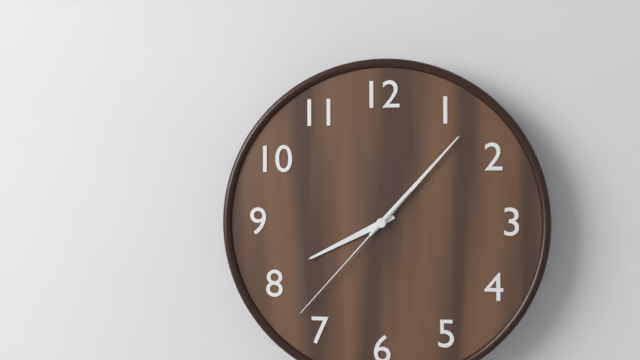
8.07.37
